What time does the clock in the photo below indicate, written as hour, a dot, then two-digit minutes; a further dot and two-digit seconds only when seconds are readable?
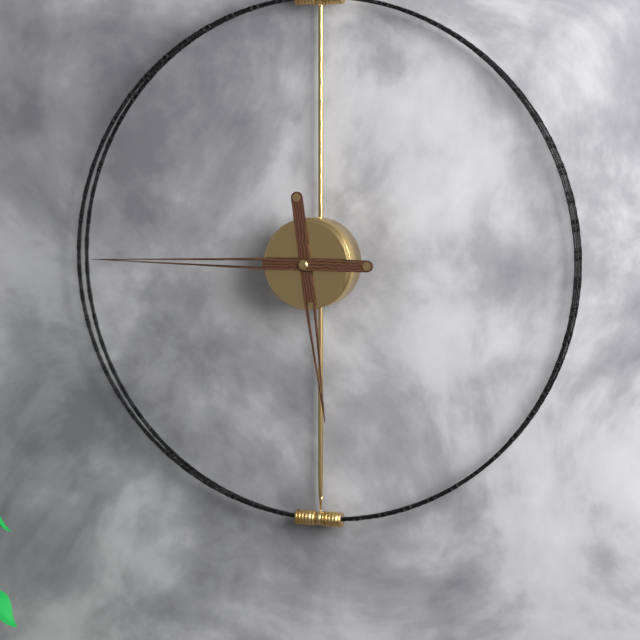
5.45
